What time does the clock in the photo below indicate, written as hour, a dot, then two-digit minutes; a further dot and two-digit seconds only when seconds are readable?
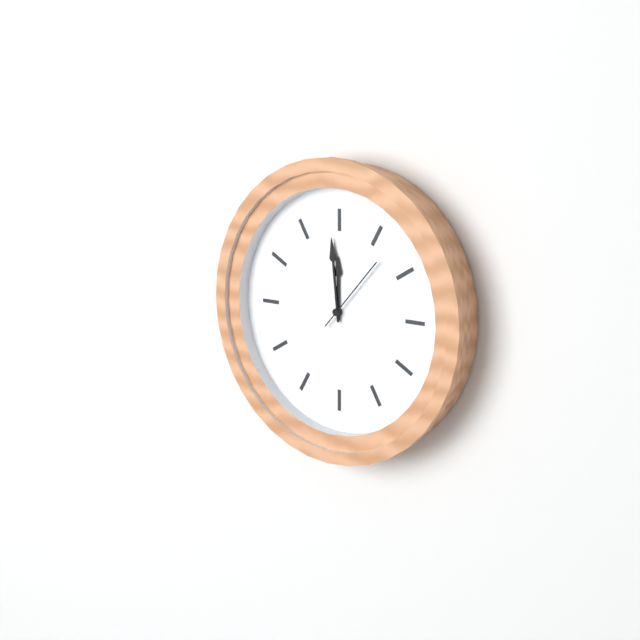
11.59.07
